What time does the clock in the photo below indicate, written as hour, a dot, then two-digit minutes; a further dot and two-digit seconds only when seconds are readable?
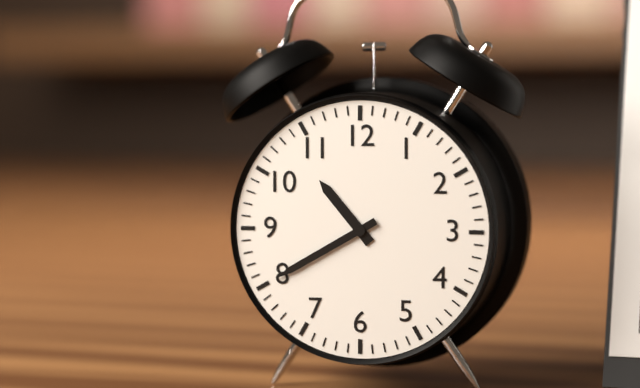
10.40
